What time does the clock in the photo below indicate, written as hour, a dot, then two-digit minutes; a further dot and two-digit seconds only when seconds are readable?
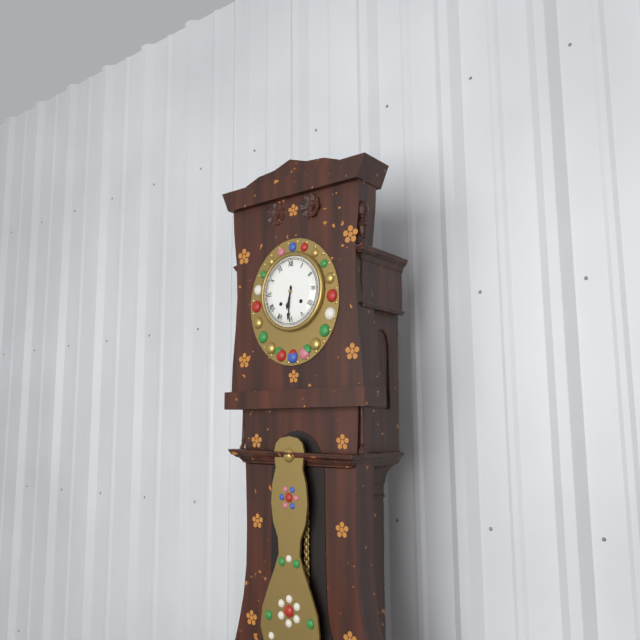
6.31
